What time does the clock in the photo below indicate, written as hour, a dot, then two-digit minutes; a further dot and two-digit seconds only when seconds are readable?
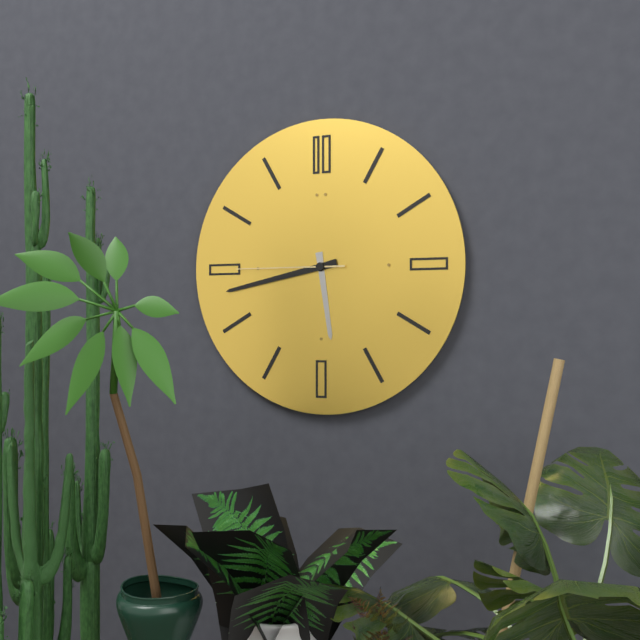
5.43.45
